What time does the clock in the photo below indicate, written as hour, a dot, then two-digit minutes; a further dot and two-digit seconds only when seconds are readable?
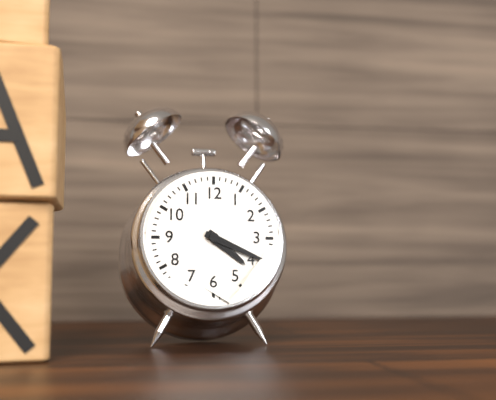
4.19
